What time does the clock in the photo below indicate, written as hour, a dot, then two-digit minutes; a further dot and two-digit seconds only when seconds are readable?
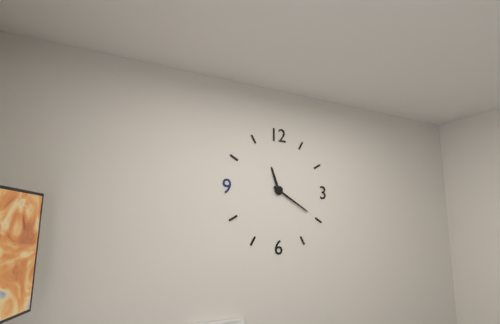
11.20
